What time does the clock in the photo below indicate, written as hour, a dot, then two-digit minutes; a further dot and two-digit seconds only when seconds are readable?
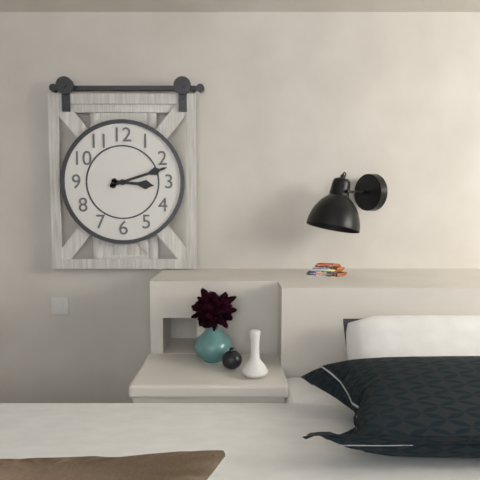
3.12
